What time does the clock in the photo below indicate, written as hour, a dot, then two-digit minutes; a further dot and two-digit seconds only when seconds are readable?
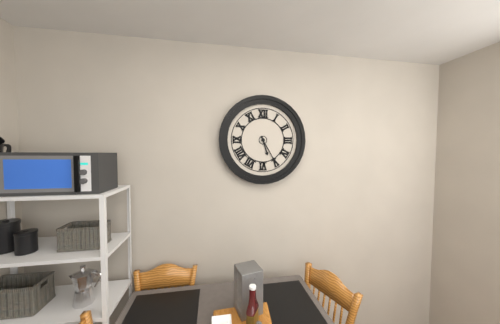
5.25
